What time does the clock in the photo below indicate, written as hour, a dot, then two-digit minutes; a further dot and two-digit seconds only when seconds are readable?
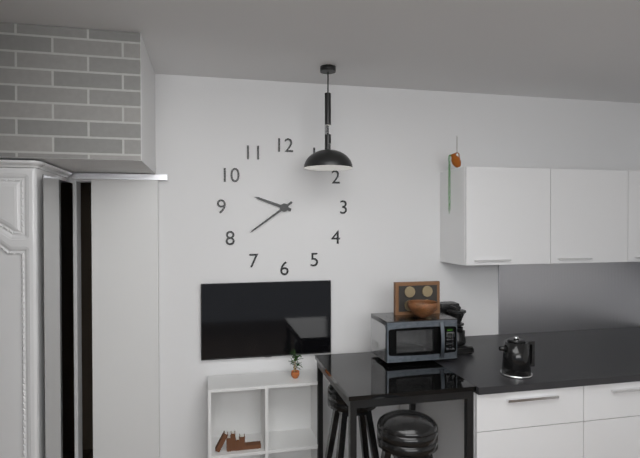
9.39
